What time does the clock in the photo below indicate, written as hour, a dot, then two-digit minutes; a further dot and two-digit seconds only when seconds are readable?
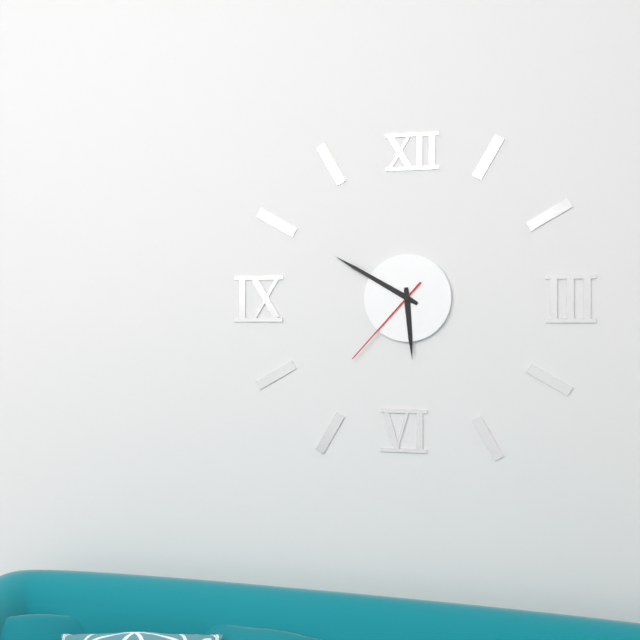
5.50.37
